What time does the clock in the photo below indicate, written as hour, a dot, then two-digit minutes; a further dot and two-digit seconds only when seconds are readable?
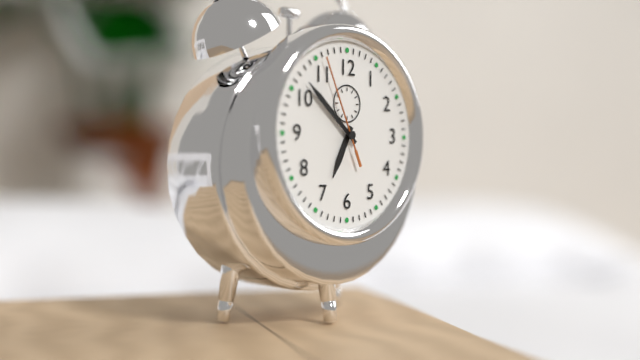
6.52.56
